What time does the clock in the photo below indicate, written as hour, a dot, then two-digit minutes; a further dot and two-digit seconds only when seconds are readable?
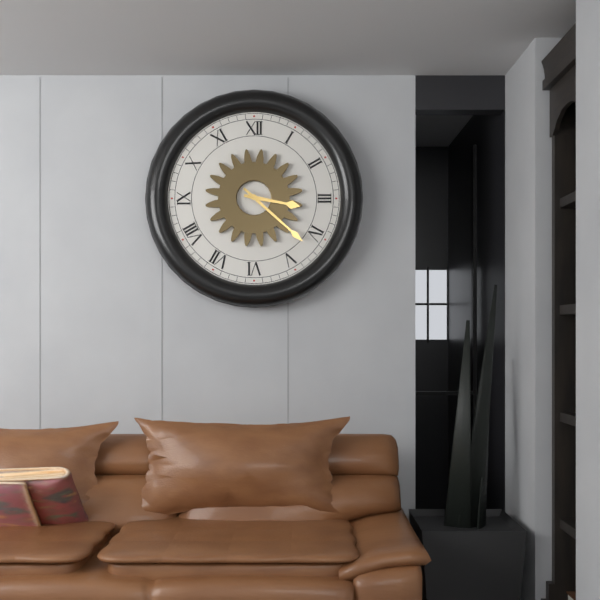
3.22
